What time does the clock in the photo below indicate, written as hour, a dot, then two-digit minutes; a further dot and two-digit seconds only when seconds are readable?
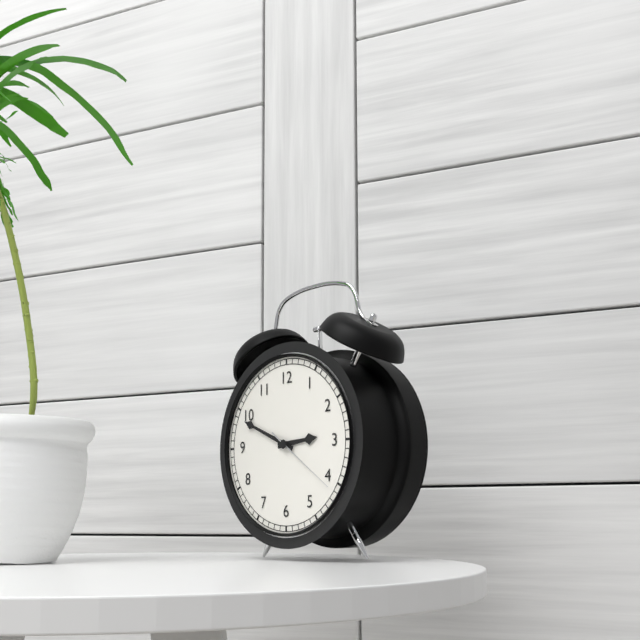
2.49.21
